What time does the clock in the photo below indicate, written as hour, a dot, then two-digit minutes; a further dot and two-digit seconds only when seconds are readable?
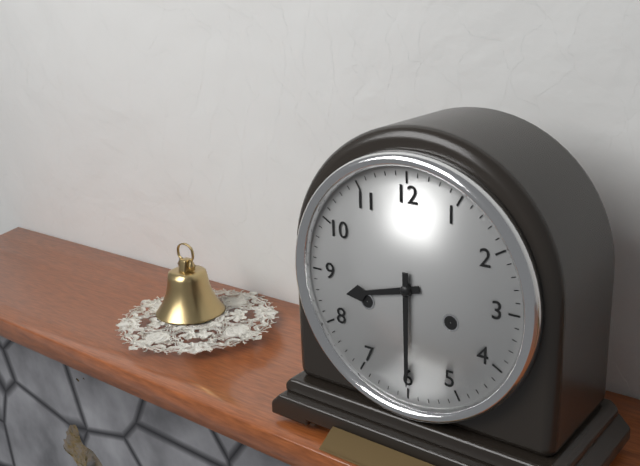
8.30
